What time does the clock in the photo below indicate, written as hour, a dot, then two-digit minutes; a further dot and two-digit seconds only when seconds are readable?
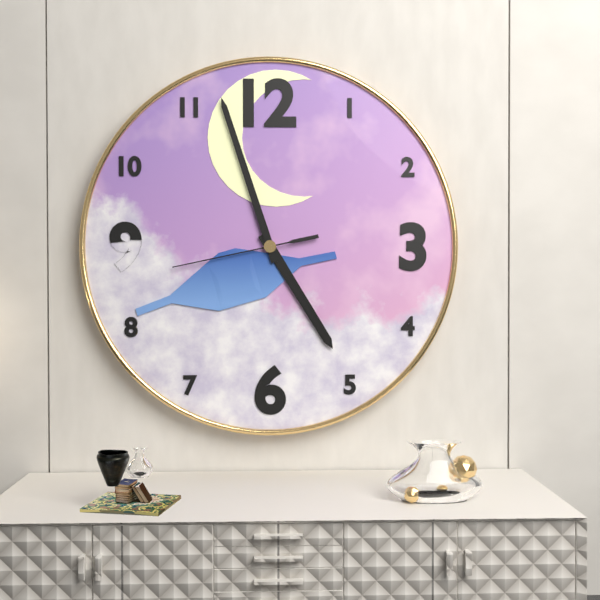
4.57.43
